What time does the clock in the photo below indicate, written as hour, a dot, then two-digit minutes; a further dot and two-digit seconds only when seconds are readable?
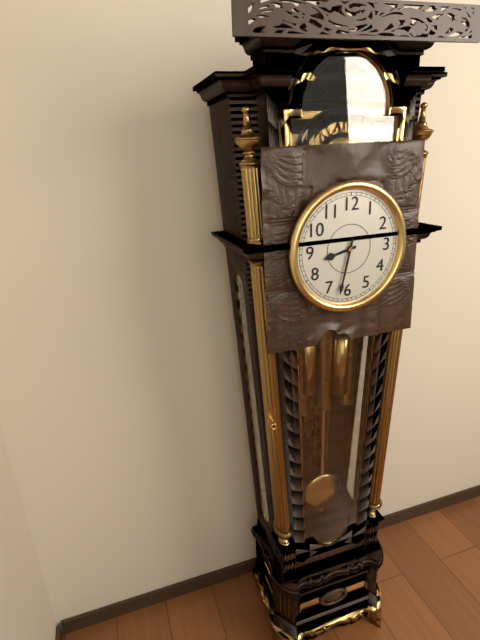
8.32
